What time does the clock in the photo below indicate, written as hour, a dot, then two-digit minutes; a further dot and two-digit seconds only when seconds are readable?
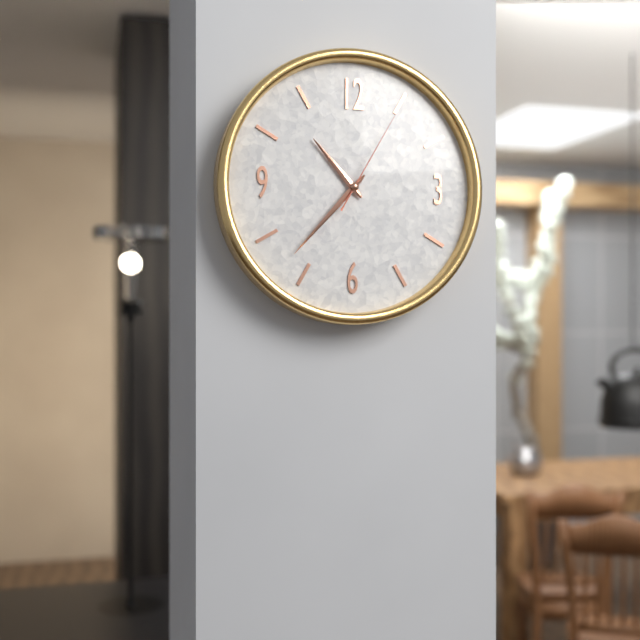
10.37.05
